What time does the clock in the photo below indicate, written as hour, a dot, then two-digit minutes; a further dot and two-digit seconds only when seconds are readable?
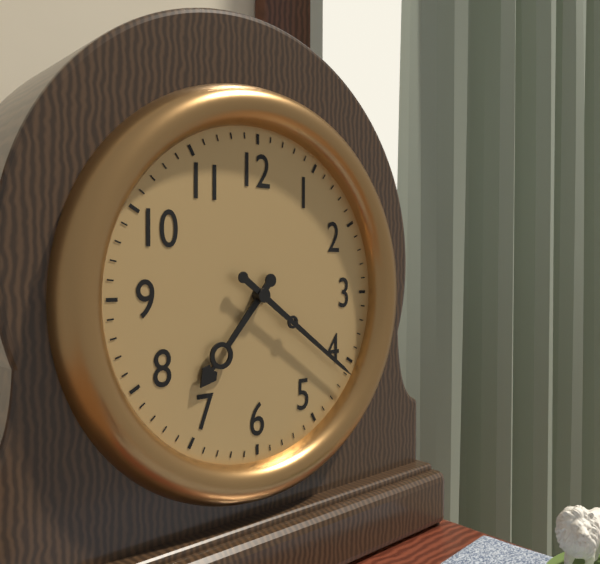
7.21
